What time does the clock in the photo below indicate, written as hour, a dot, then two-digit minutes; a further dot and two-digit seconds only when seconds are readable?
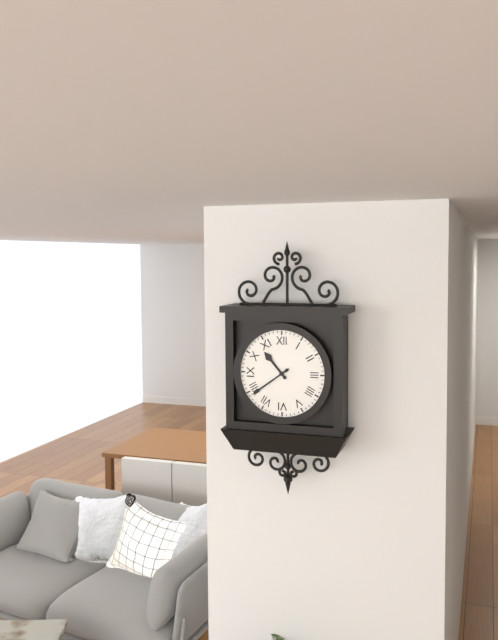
10.39
